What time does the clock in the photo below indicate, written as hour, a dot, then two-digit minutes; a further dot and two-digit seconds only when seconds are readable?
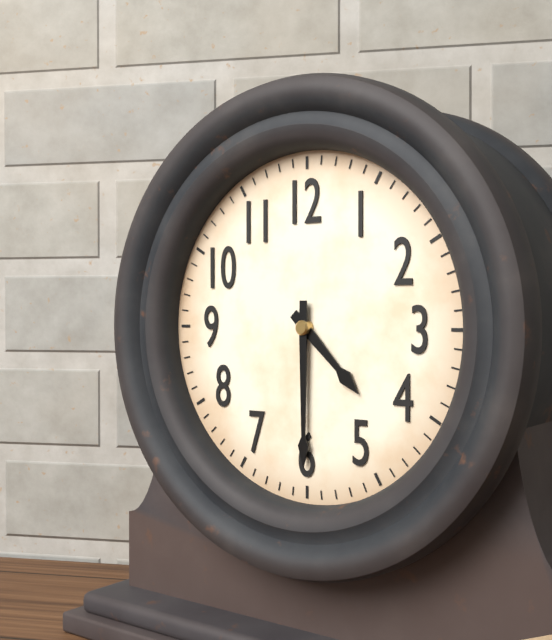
4.30
